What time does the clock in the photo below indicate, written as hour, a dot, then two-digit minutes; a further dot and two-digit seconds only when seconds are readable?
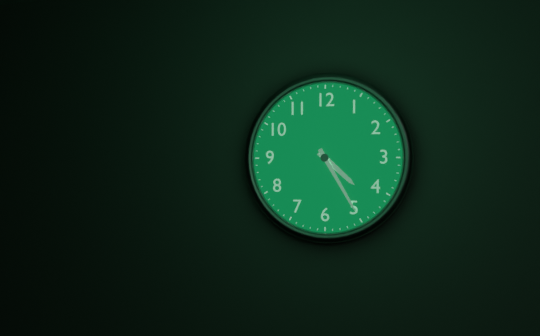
4.25
